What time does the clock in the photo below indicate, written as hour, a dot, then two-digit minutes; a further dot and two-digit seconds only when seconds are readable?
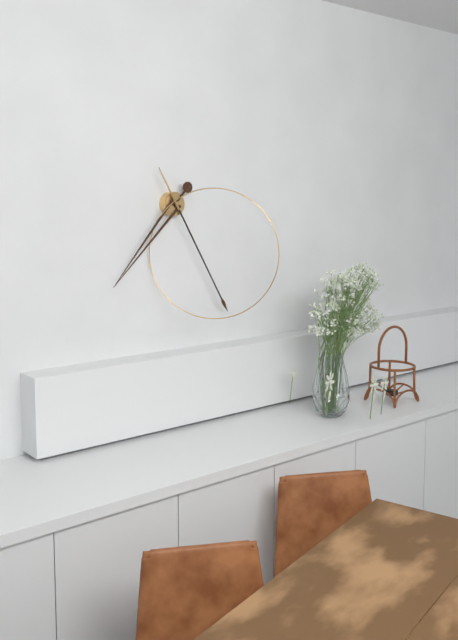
7.25
